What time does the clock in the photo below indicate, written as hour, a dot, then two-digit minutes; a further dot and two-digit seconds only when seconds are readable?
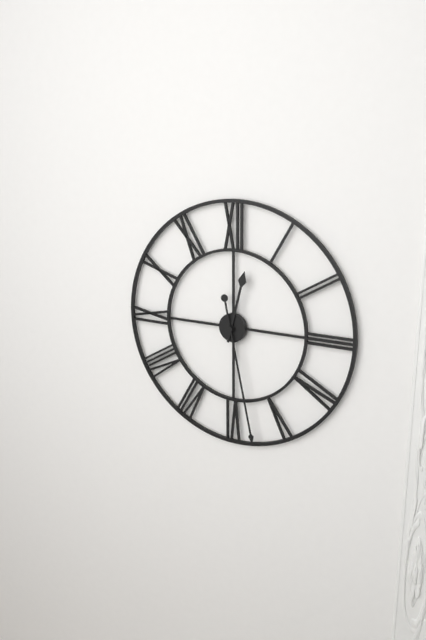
12.28
